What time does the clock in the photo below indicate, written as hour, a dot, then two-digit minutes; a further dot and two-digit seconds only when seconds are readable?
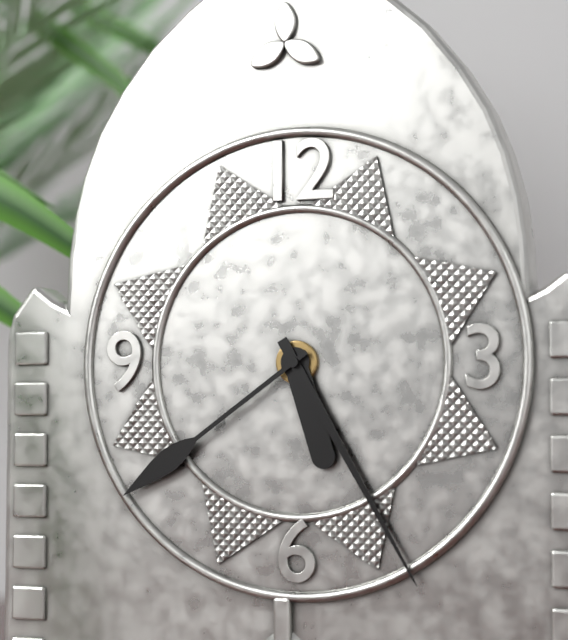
5.25.39
